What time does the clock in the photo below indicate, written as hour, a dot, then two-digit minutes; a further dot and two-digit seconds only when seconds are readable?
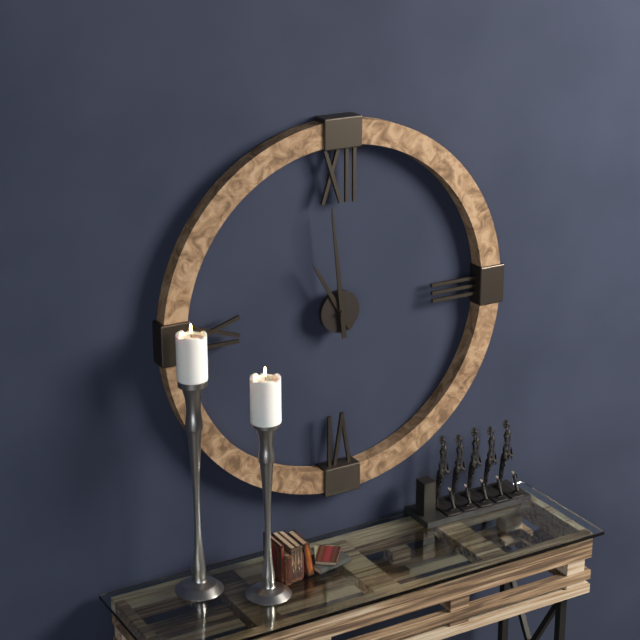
10.59
